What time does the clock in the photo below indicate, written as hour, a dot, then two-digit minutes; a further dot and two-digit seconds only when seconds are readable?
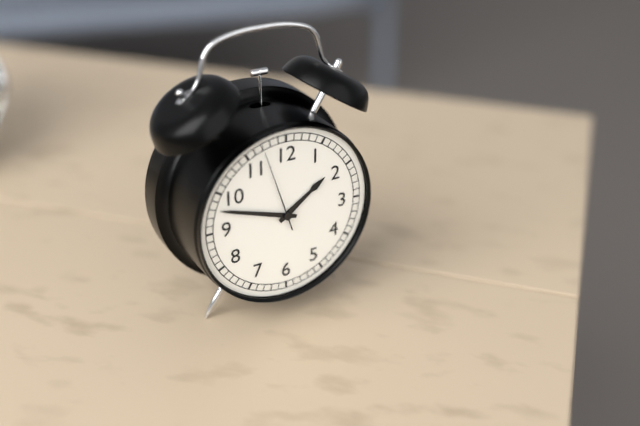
1.48.57
